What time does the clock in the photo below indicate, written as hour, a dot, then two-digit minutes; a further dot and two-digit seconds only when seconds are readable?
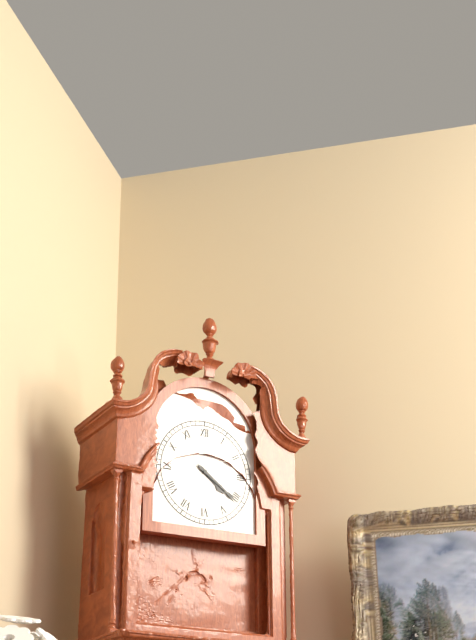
4.21
